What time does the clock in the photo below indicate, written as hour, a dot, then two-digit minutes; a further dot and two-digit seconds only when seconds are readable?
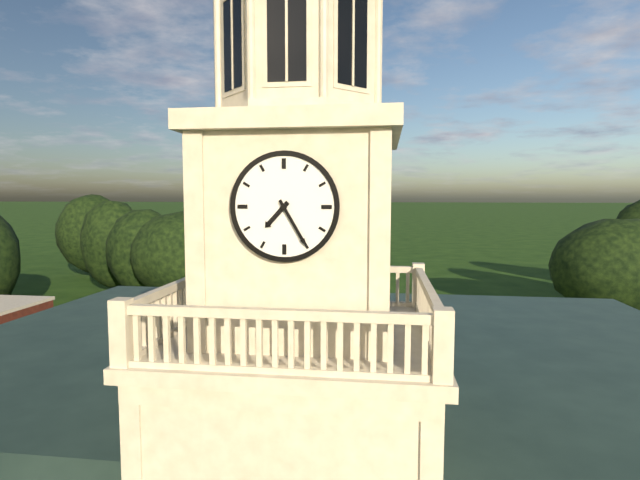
7.25
